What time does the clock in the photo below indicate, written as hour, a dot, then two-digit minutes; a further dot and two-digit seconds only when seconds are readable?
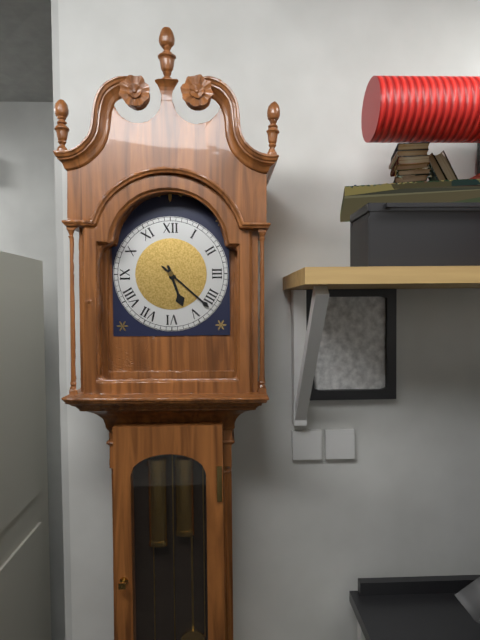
5.22
